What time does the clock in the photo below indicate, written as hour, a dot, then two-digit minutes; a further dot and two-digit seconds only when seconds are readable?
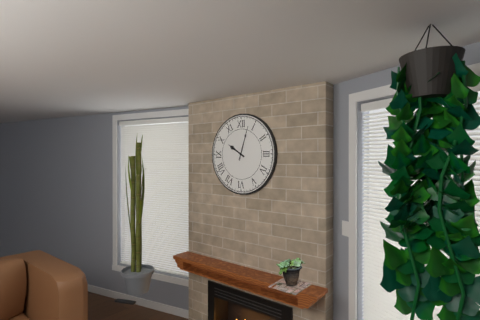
10.03
